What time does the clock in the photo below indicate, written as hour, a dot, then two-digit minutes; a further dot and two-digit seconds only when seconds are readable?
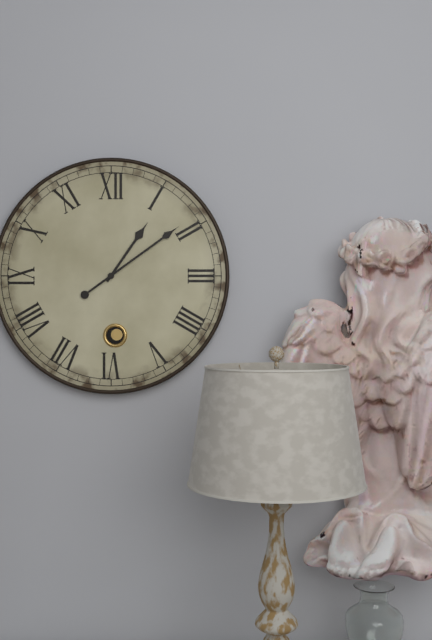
1.09
